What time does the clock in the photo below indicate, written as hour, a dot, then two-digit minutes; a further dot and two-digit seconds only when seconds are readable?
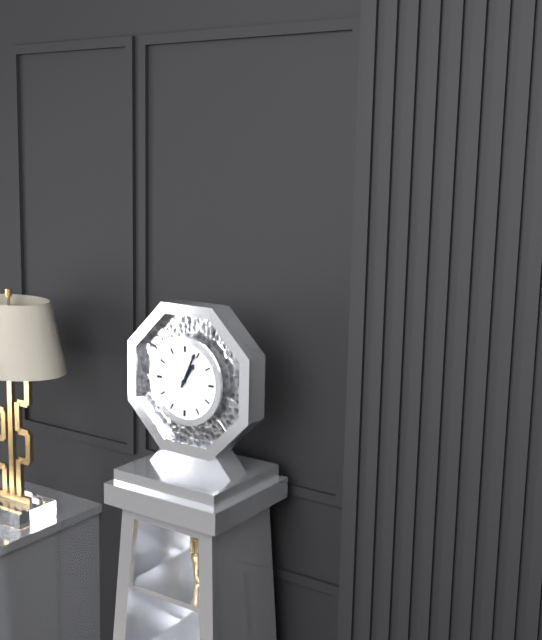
1.04
